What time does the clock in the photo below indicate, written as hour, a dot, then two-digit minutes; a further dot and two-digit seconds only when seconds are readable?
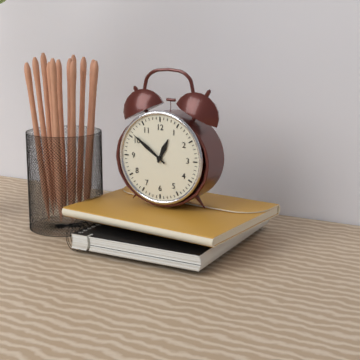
12.51
